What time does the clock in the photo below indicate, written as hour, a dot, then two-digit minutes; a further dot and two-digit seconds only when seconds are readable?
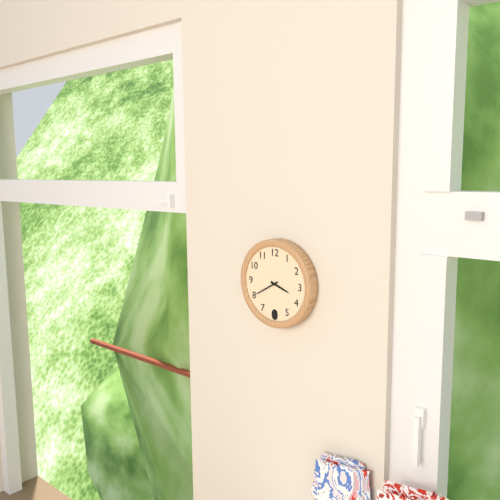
3.40
